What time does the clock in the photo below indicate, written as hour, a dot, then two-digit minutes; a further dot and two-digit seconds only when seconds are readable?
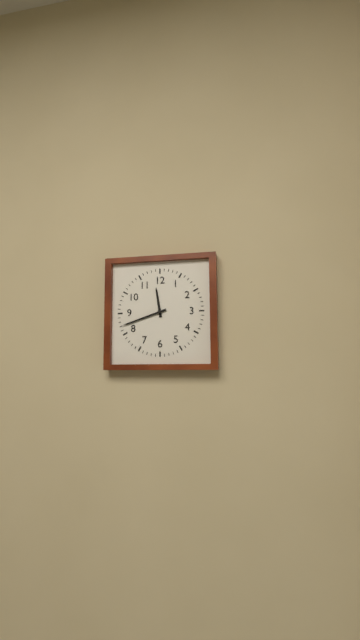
11.42
